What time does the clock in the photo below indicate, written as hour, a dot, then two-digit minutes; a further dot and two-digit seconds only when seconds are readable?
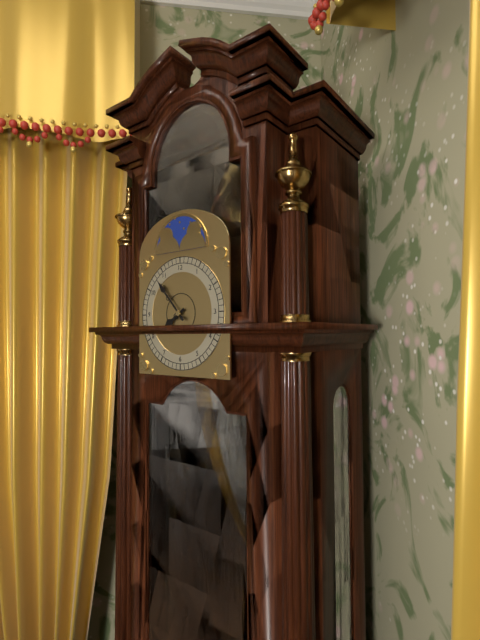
7.53
